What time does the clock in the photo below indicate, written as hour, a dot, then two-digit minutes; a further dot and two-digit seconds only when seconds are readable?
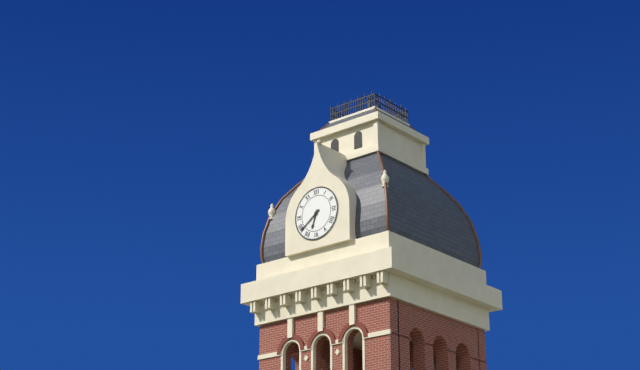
6.39
